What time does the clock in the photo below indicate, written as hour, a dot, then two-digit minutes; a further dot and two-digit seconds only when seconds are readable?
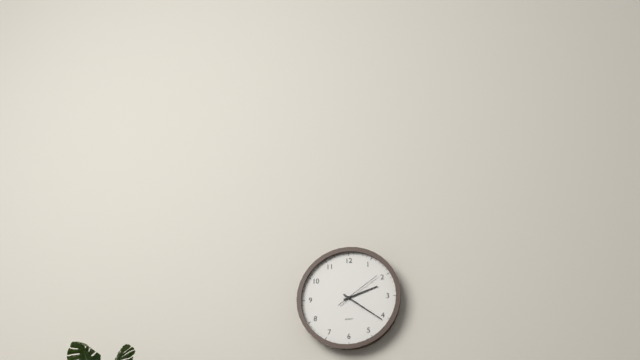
2.21
